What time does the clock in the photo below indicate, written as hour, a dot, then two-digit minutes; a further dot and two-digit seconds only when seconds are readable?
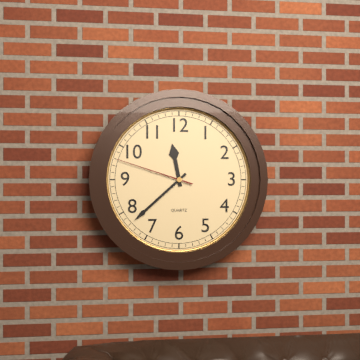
11.38.48
